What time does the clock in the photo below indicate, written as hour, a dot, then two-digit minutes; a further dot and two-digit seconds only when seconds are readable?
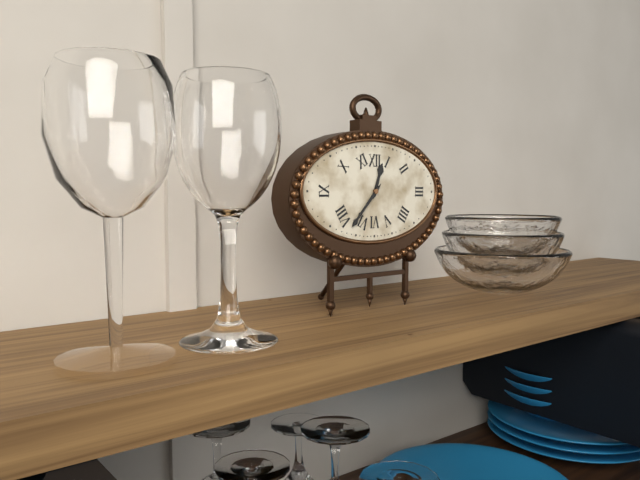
12.37
